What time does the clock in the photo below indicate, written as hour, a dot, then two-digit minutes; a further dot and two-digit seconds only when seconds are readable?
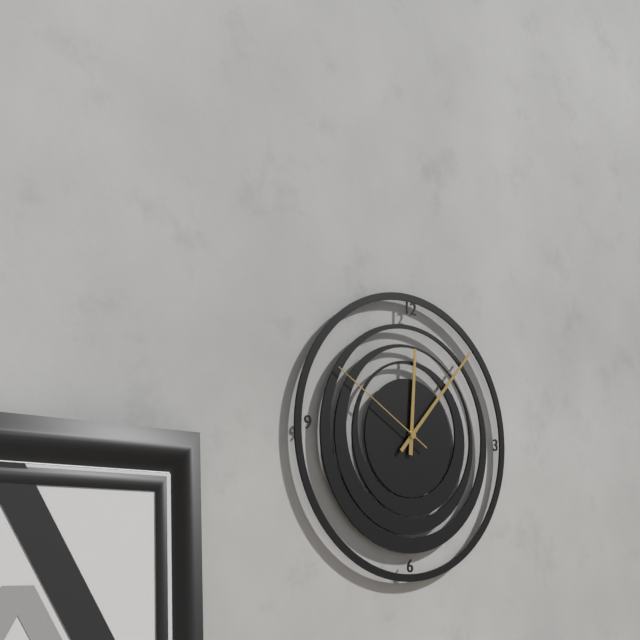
12.07.50
